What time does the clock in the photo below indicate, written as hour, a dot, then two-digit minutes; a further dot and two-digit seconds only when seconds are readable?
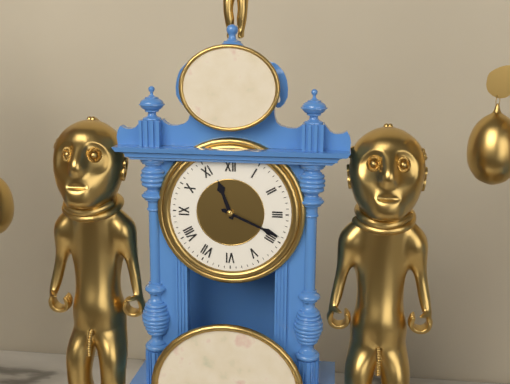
11.19
